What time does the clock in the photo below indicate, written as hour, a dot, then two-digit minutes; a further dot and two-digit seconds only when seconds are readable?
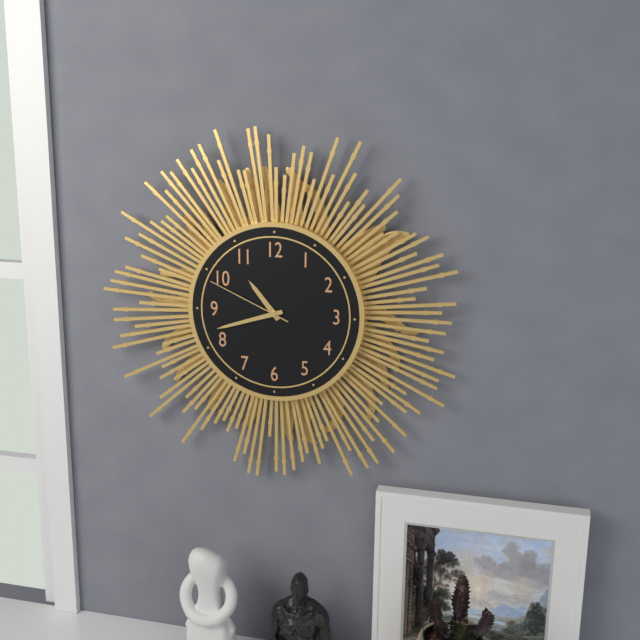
10.42.49
